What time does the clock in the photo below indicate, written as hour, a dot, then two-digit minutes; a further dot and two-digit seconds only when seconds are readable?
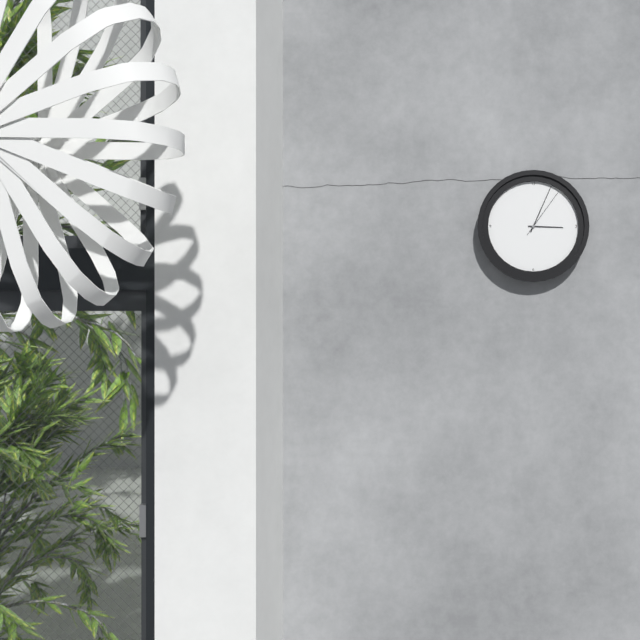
3.04.06
